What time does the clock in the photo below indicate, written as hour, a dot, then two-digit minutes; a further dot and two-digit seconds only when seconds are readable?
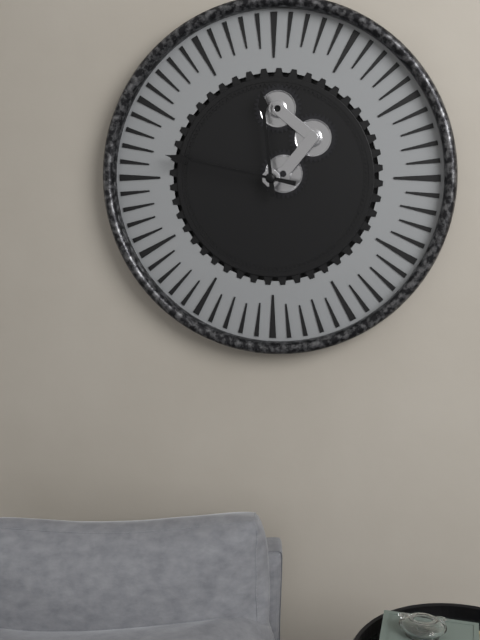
11.47
